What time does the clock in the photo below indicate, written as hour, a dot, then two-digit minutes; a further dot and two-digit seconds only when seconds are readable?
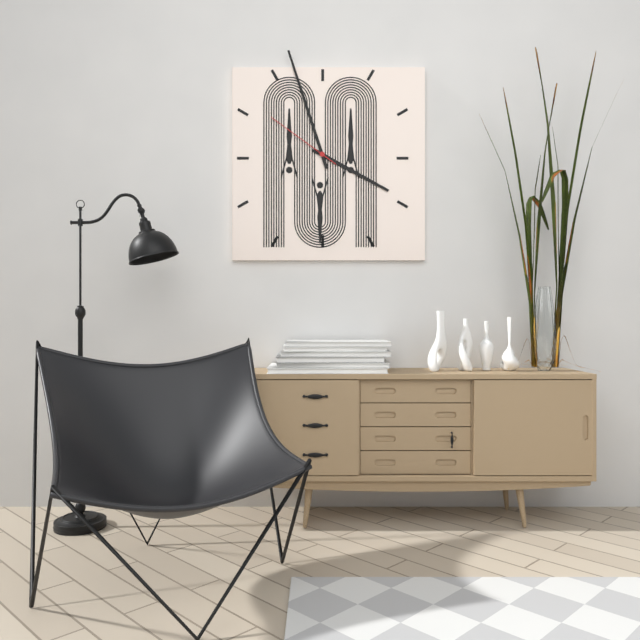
3.57.51
